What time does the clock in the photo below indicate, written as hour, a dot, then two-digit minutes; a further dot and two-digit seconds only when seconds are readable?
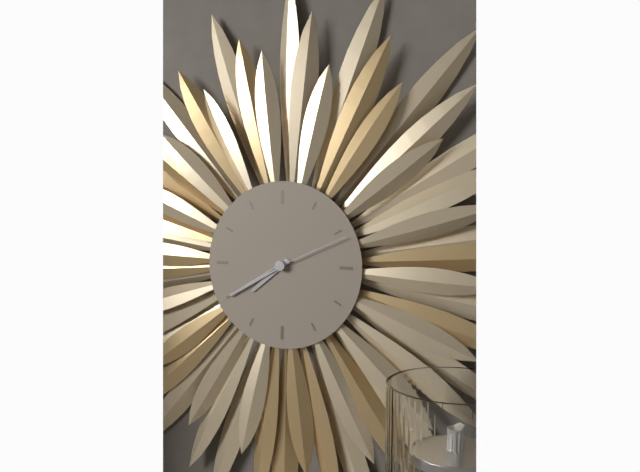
7.40.11
